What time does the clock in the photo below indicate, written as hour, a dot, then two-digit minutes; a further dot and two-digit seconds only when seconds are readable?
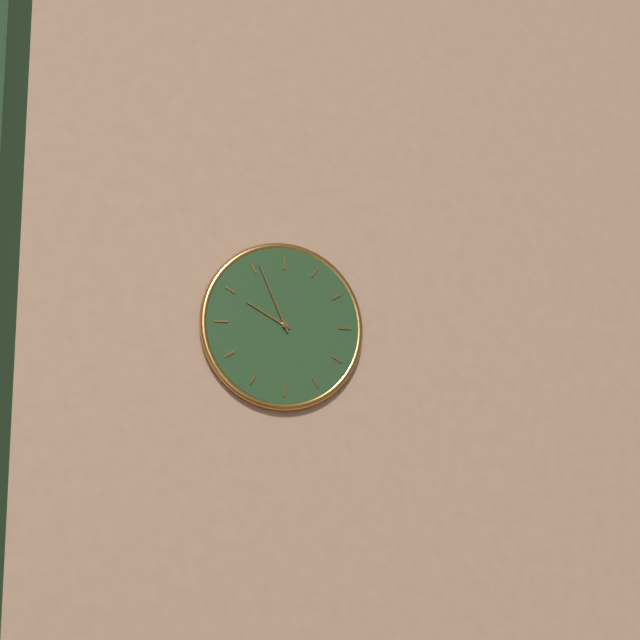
9.56
